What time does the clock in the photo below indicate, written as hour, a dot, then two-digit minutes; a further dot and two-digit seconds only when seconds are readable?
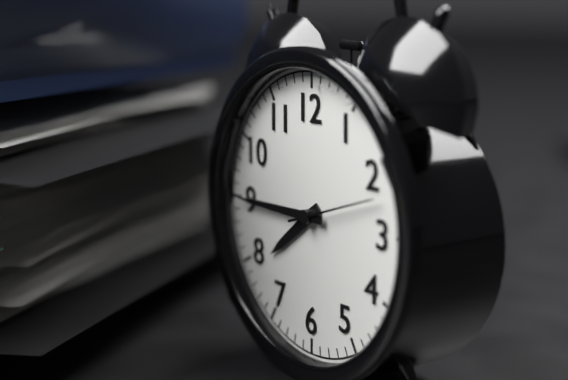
7.45.12
